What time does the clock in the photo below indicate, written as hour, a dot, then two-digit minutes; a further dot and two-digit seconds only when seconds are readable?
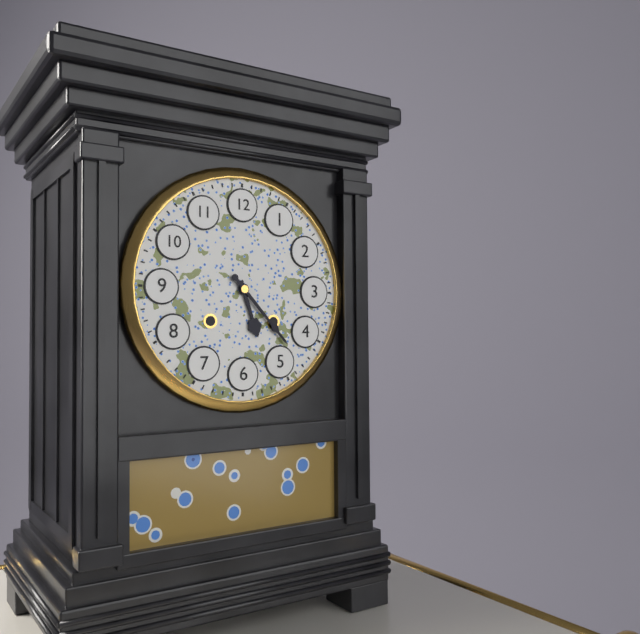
5.23
